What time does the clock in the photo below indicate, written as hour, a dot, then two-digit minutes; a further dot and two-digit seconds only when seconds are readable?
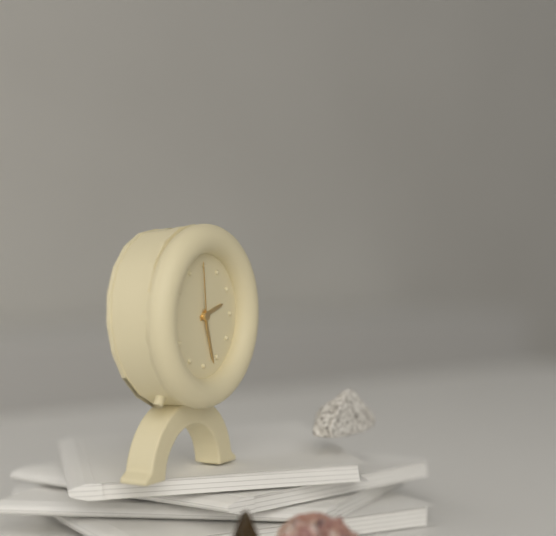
2.27.59
